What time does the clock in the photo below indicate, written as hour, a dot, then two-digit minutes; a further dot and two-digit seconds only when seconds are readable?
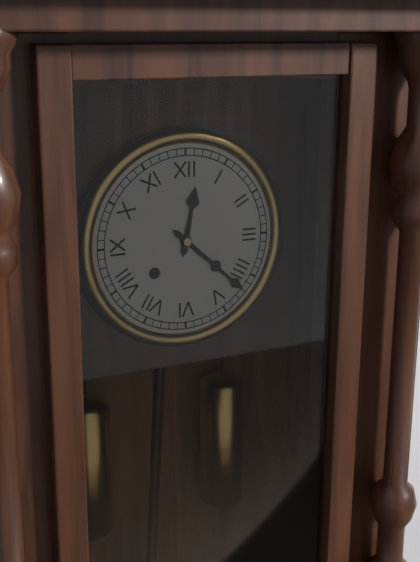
12.22
